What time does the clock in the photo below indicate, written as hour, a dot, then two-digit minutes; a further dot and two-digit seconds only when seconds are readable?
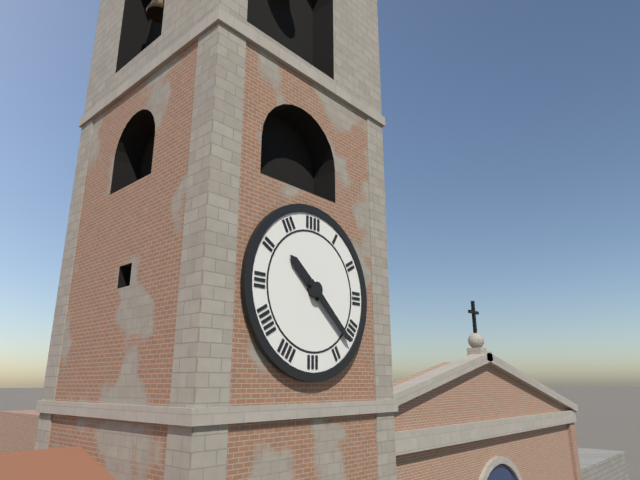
10.22
